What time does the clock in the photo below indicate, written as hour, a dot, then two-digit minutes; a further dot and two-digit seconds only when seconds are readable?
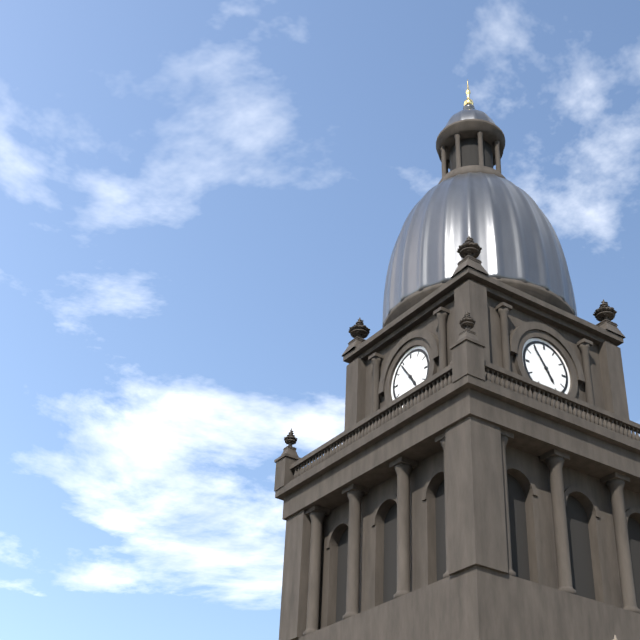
4.54
